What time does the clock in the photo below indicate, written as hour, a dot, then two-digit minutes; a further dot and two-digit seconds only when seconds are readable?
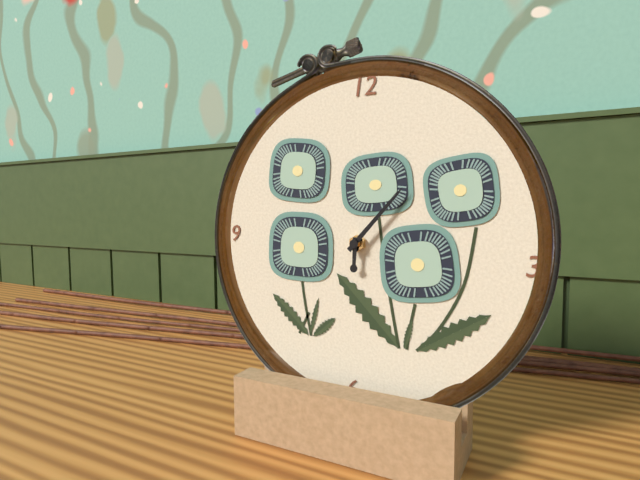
6.07
